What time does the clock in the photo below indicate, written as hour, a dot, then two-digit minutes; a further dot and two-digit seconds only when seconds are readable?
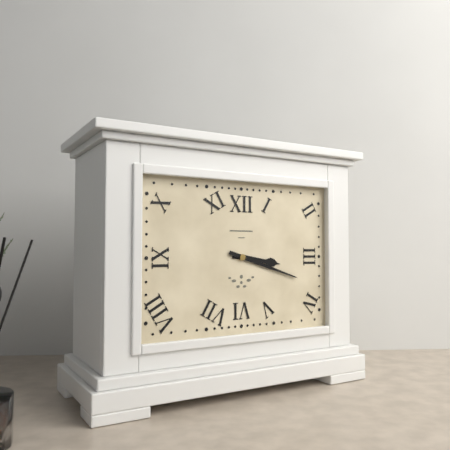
3.18
